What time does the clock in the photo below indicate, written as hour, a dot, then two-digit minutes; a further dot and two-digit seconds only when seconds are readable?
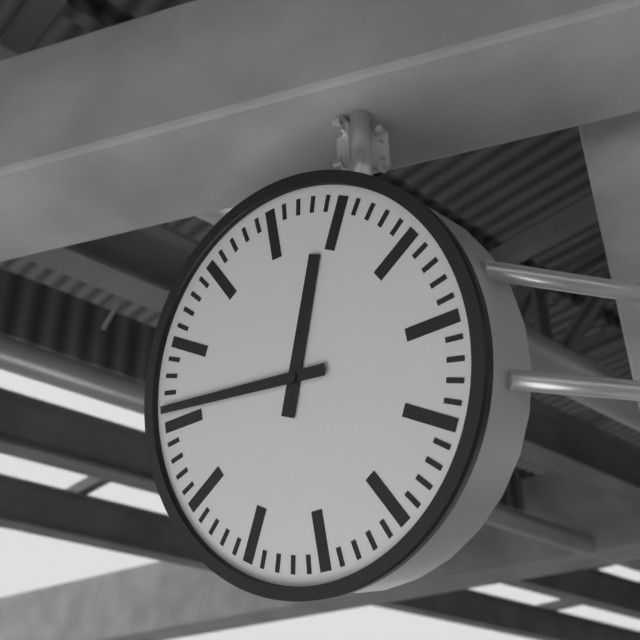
12.46
